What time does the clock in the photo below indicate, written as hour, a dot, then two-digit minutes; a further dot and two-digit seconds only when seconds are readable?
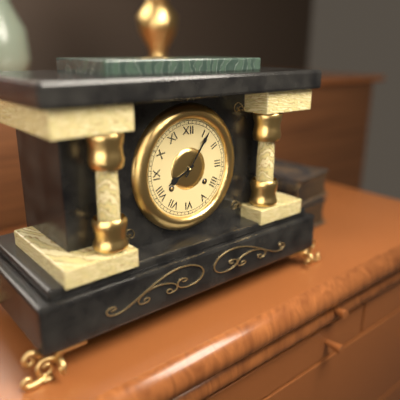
8.06
